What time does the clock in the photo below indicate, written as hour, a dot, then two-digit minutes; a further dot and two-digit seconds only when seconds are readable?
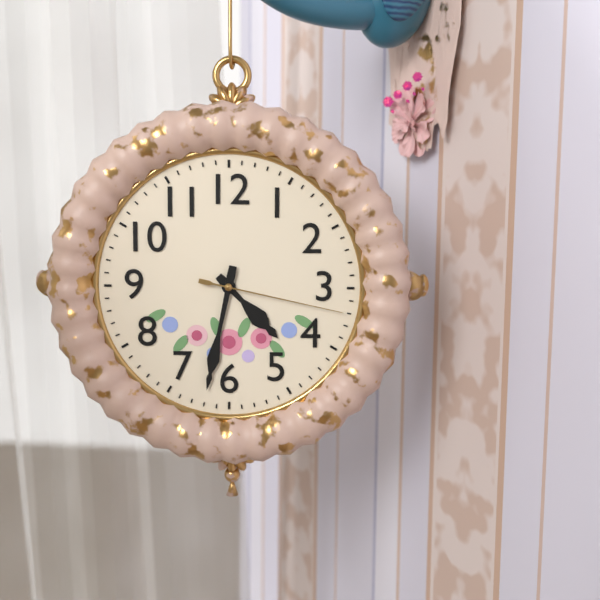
4.32.17
